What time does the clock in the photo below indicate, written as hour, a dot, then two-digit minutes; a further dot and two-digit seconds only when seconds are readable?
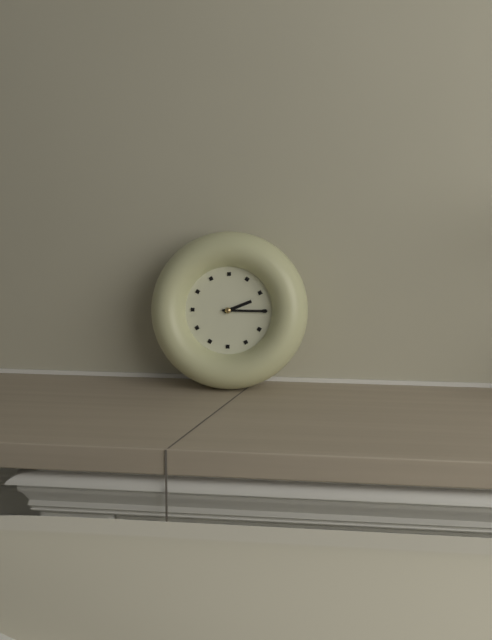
2.15
